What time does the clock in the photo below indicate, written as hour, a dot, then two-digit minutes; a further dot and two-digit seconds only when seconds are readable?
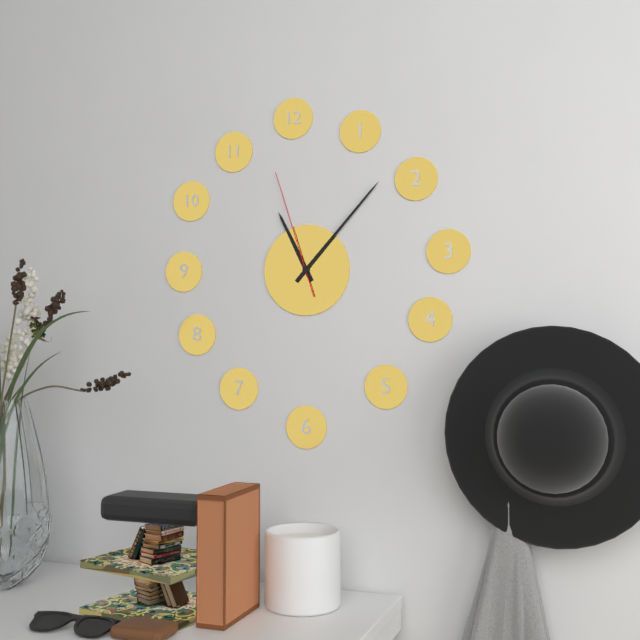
11.07.57
